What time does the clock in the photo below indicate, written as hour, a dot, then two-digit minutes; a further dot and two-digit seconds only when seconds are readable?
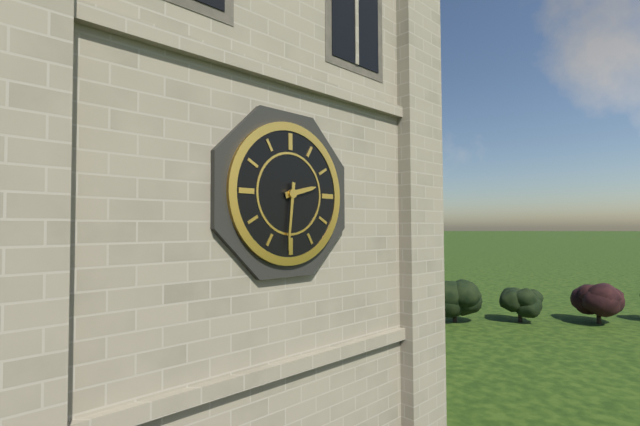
2.31
